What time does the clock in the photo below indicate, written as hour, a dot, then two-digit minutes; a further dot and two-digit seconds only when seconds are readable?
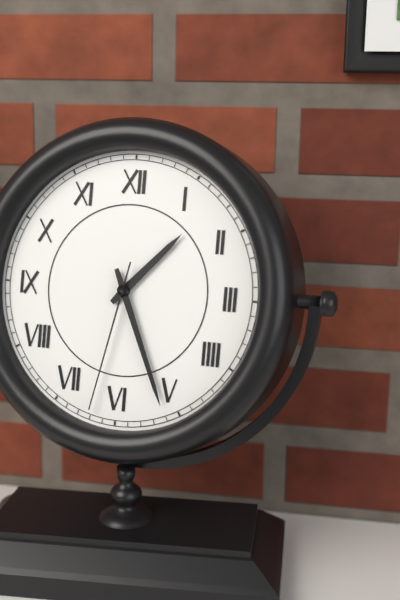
1.26.32
